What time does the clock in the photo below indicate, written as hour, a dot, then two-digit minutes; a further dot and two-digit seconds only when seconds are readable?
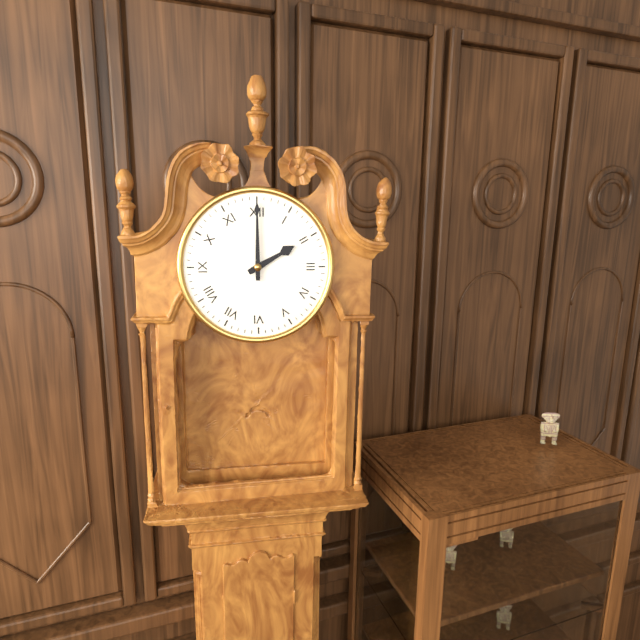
2.00
